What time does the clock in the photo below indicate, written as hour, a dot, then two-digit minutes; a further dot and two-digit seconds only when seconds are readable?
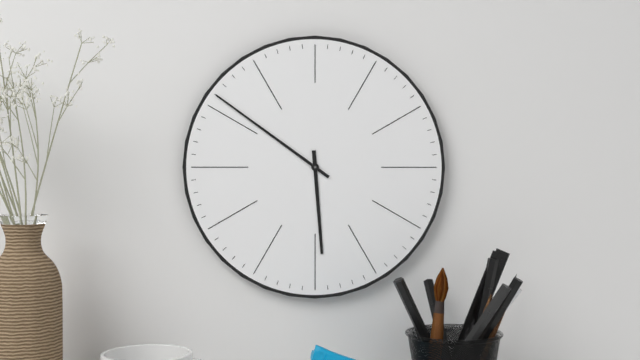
5.51
